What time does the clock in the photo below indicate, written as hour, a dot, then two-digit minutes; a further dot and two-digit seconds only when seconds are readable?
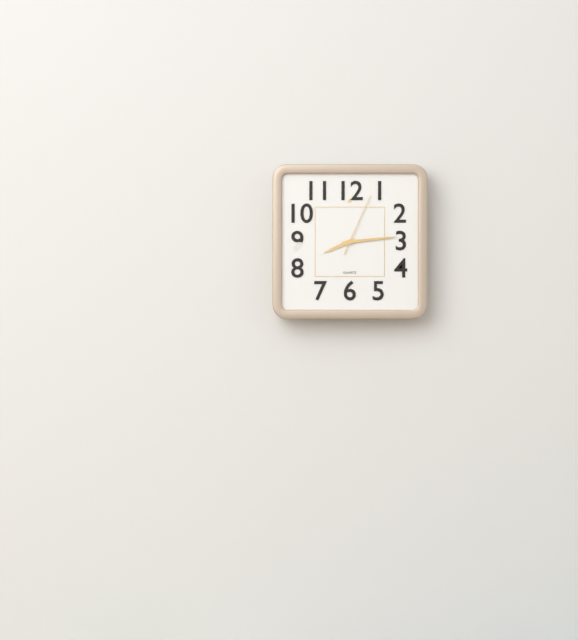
8.14.04
